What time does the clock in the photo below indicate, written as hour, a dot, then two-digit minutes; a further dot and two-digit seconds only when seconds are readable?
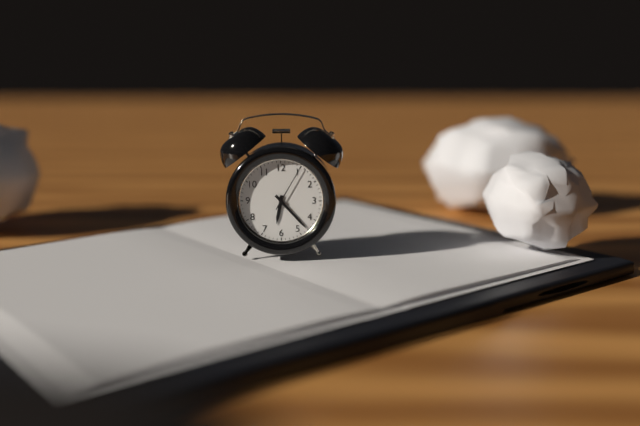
6.23
